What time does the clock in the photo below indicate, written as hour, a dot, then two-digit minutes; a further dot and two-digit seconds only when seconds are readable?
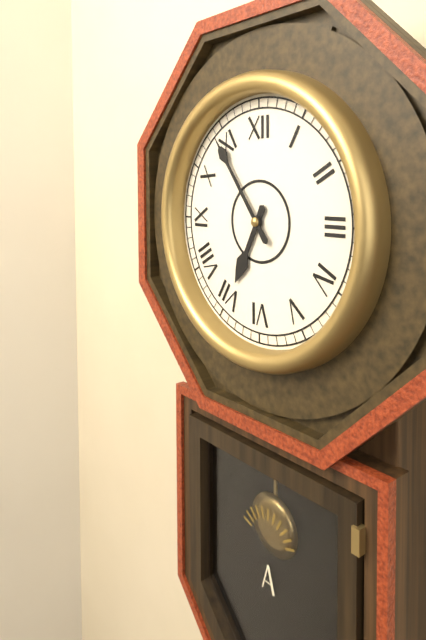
6.54
